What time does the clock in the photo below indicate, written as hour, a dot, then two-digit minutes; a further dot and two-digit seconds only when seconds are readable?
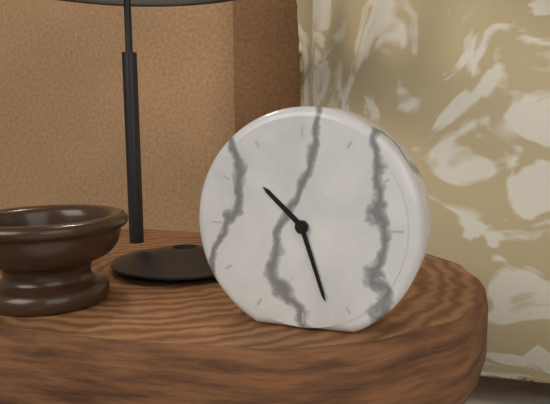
10.27
